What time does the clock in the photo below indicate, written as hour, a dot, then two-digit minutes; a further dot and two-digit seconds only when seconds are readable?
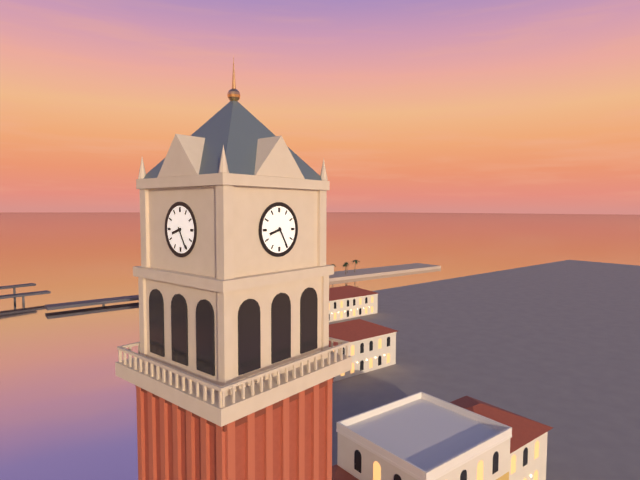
8.25
